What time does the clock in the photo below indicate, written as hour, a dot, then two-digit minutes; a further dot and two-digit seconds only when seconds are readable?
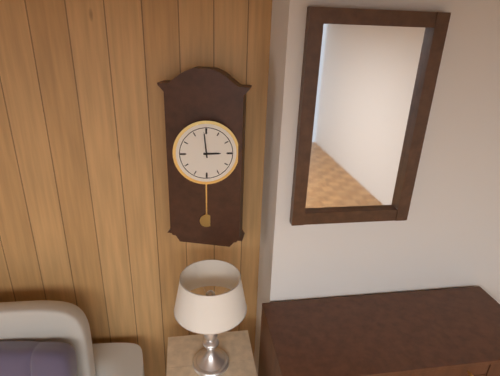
2.59
